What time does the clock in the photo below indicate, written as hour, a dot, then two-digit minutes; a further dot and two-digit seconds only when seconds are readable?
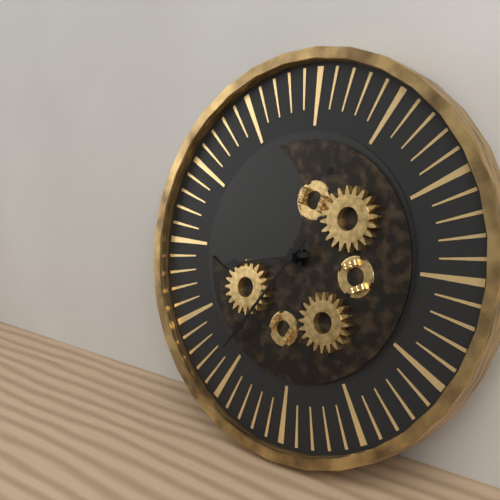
8.36
